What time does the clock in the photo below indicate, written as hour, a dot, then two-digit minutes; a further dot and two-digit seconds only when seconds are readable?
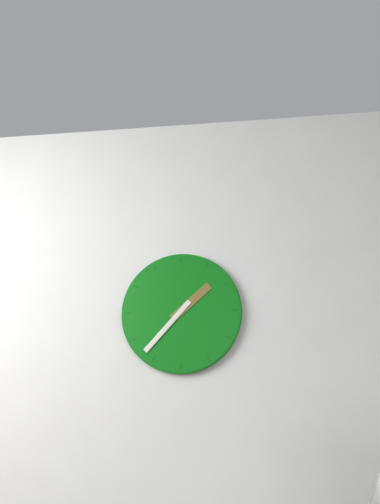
1.37
